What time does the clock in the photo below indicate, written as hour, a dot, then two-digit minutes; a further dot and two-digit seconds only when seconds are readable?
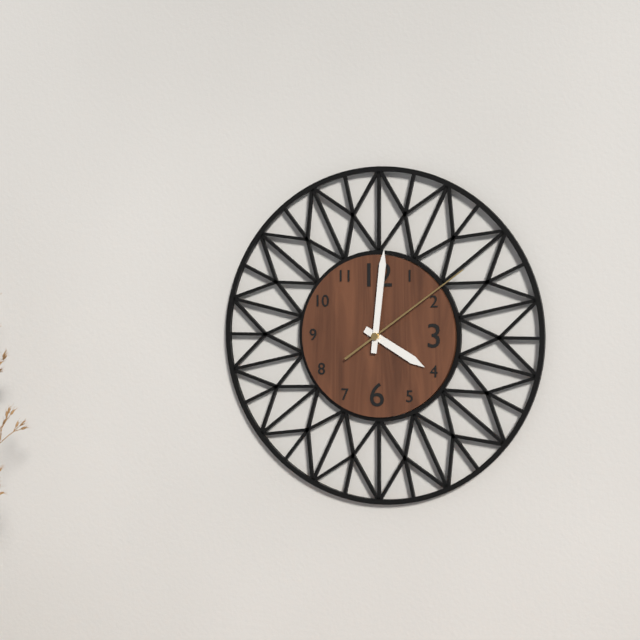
4.01.09
